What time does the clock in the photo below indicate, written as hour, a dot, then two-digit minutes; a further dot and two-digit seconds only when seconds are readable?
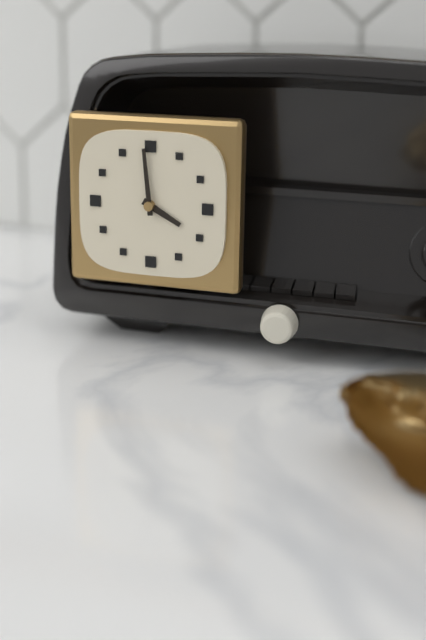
3.59
